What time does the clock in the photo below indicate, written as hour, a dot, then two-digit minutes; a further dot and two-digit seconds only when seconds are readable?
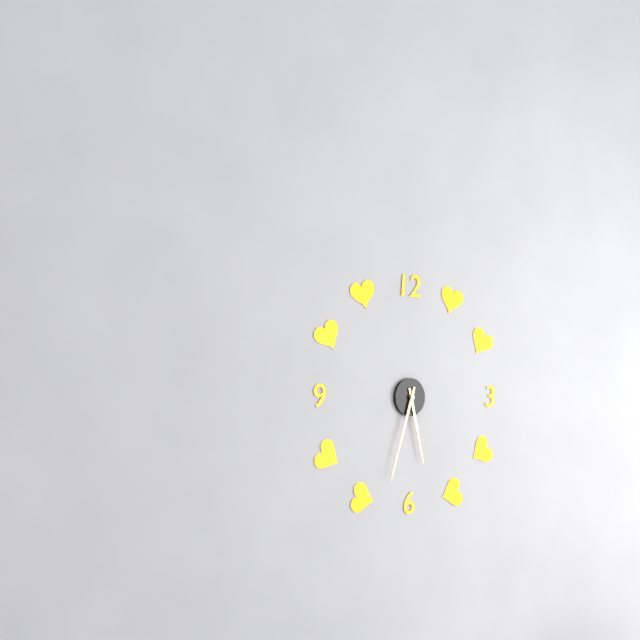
5.33
